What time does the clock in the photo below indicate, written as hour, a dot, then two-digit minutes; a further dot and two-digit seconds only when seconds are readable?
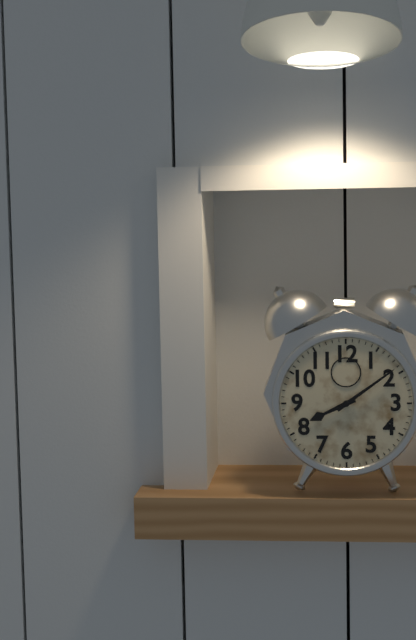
8.09
